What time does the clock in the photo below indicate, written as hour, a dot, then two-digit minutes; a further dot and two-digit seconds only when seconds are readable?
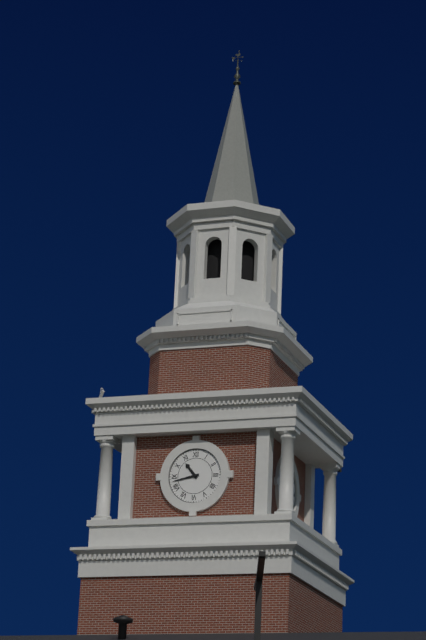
10.43
